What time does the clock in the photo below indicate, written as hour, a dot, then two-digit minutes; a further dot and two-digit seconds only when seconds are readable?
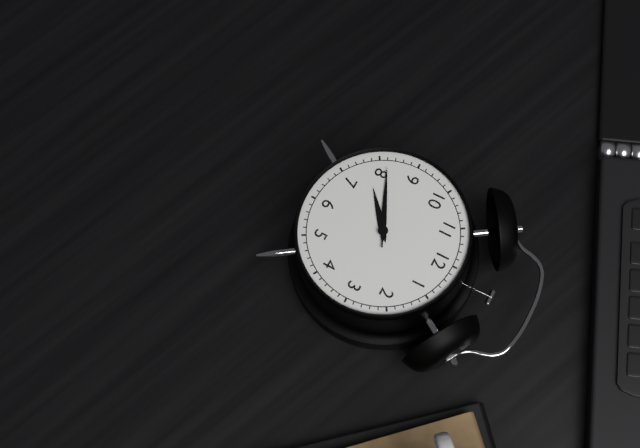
7.41.41
